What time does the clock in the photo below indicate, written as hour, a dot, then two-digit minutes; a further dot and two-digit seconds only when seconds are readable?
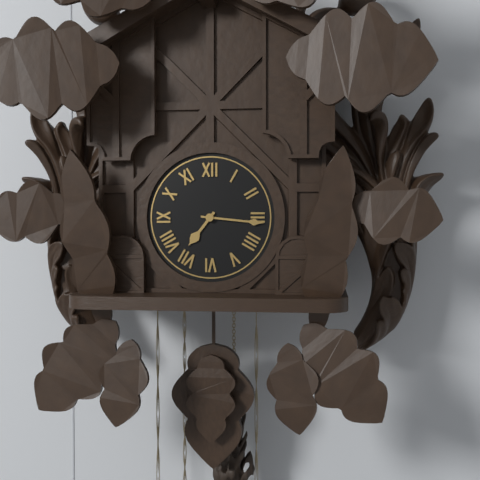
7.16
